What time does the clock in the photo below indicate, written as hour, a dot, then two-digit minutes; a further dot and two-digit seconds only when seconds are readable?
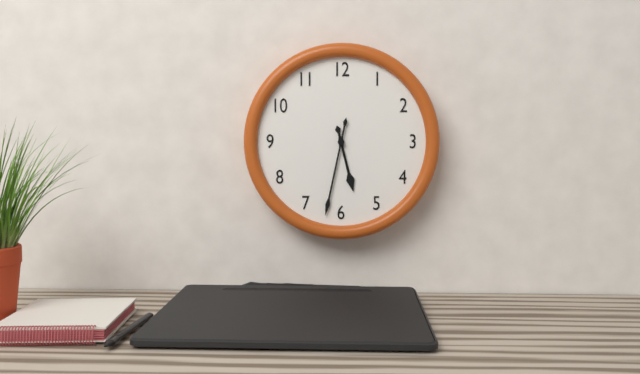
5.32
